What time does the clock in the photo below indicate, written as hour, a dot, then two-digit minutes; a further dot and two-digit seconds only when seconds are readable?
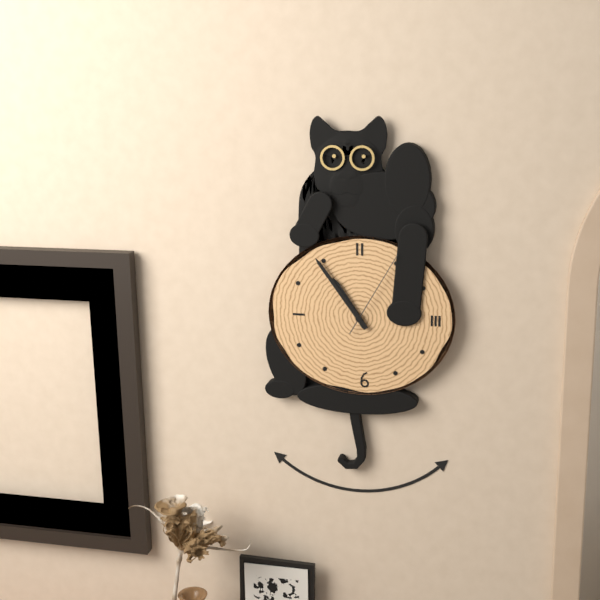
10.54.05
